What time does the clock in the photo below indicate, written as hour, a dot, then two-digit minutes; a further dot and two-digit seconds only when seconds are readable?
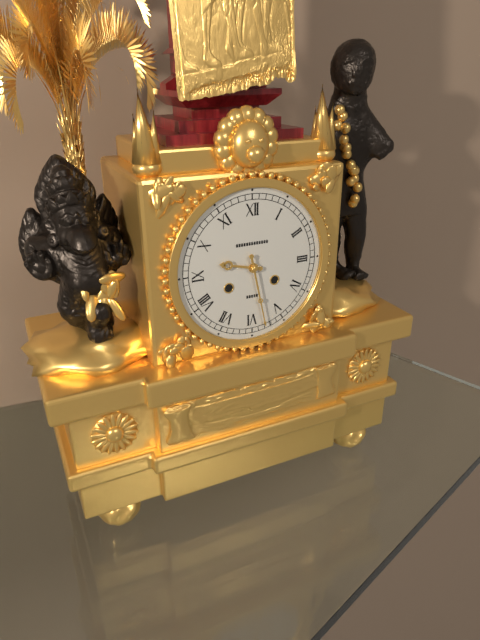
9.28
